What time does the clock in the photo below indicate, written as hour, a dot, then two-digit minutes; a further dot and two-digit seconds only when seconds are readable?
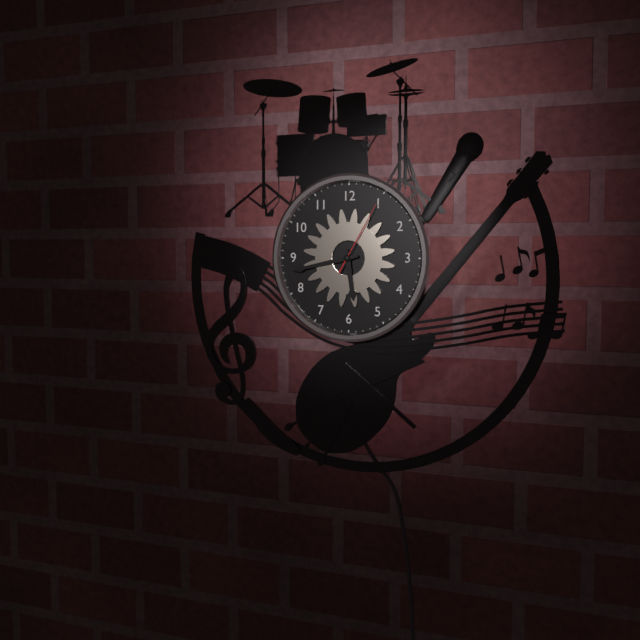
5.43.05
